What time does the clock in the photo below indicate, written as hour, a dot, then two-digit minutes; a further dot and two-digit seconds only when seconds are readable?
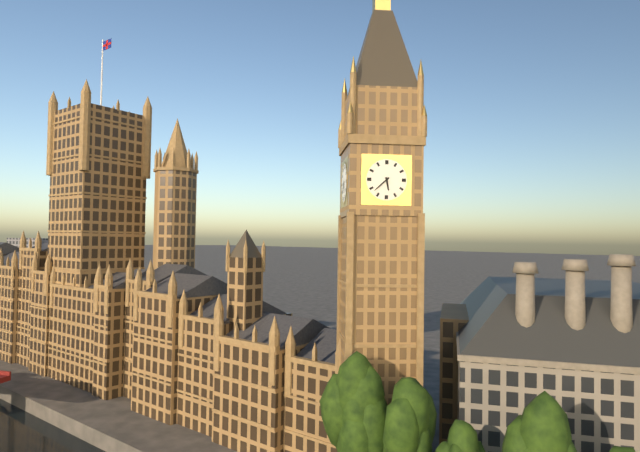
5.38
